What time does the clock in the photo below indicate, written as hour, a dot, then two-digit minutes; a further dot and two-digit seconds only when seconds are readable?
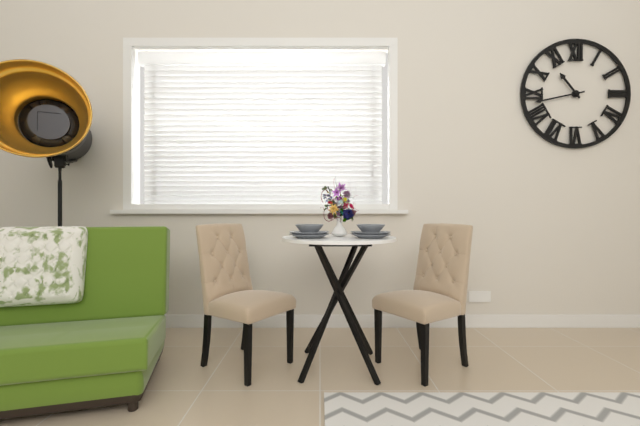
10.43
